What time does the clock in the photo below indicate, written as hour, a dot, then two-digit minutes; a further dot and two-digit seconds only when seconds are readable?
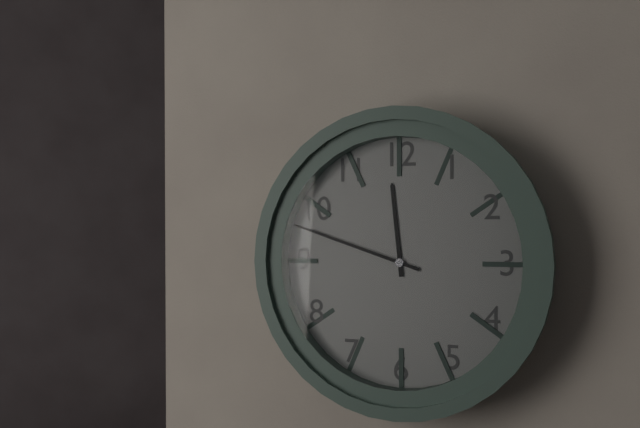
11.48
